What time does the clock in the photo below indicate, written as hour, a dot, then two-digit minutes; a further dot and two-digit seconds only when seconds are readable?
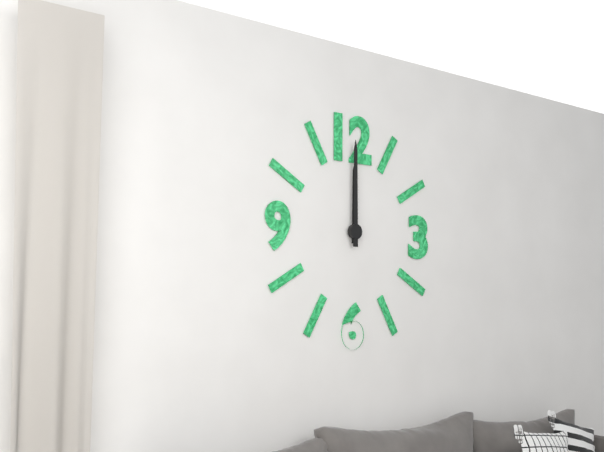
12.00
